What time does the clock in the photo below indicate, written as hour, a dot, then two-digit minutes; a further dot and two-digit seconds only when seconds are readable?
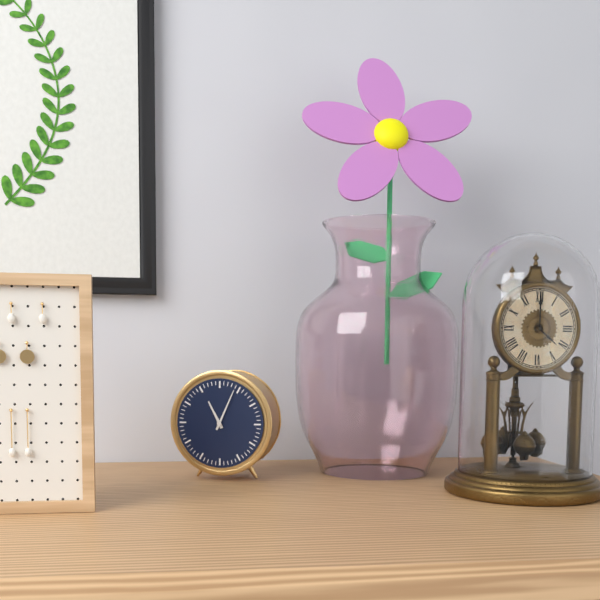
11.04
